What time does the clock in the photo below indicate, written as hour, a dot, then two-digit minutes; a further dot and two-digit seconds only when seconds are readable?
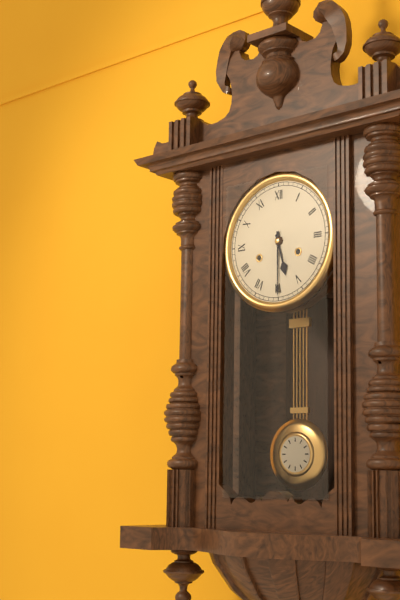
5.30
